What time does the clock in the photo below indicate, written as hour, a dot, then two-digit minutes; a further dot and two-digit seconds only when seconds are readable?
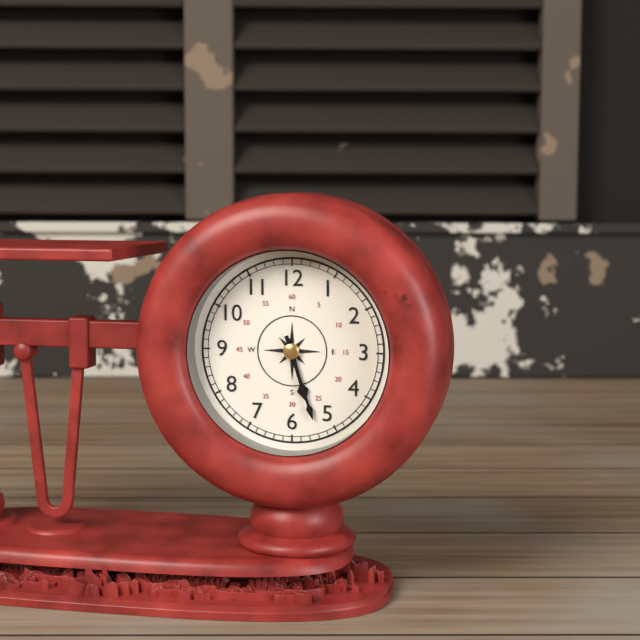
5.27
